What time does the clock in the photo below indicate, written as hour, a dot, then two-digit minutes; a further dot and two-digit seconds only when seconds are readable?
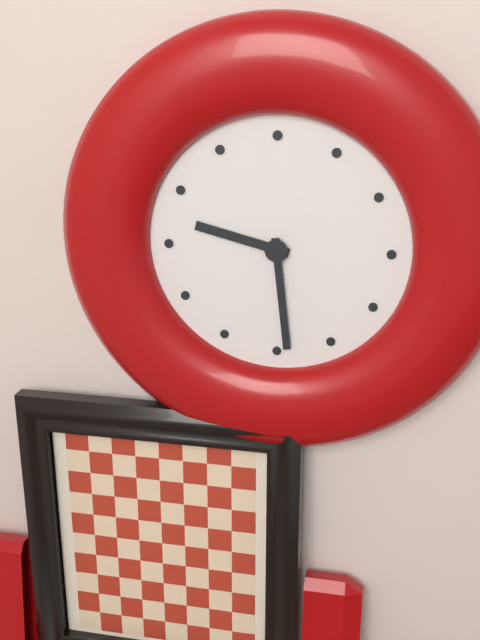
9.29
